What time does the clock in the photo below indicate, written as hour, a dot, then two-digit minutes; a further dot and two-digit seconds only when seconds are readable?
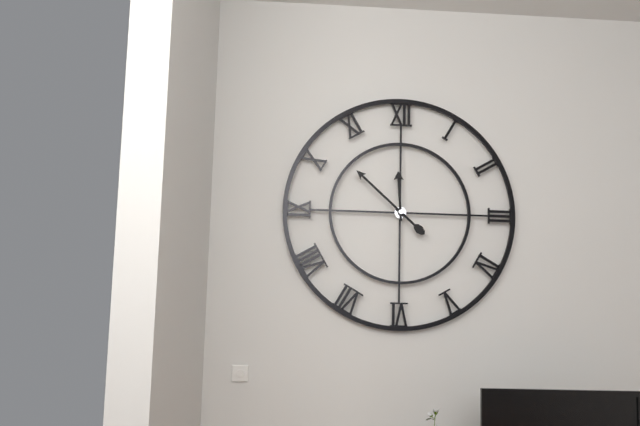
11.52
